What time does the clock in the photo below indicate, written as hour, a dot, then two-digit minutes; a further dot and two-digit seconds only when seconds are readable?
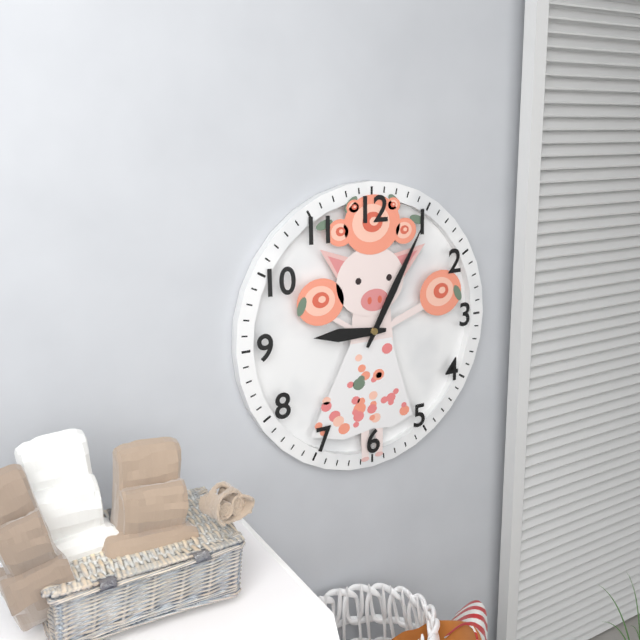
9.05
